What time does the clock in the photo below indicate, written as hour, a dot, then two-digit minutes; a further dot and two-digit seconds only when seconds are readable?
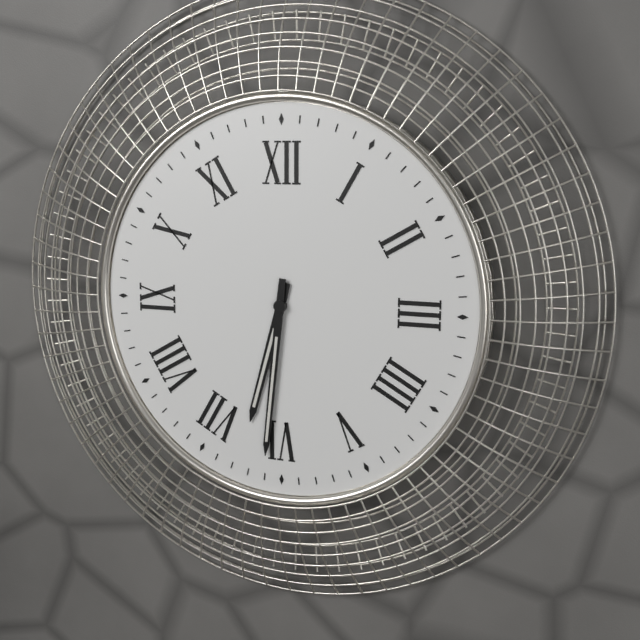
6.31
